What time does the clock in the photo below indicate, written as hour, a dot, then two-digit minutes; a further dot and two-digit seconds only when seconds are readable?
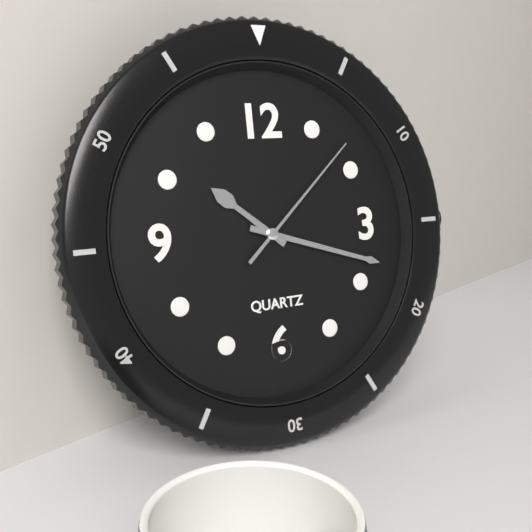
10.18.08
